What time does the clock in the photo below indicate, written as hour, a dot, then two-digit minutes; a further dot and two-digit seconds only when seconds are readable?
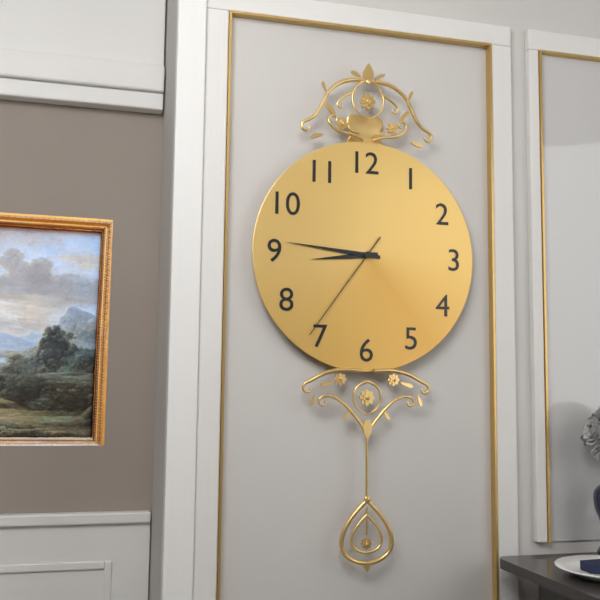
8.46.36
